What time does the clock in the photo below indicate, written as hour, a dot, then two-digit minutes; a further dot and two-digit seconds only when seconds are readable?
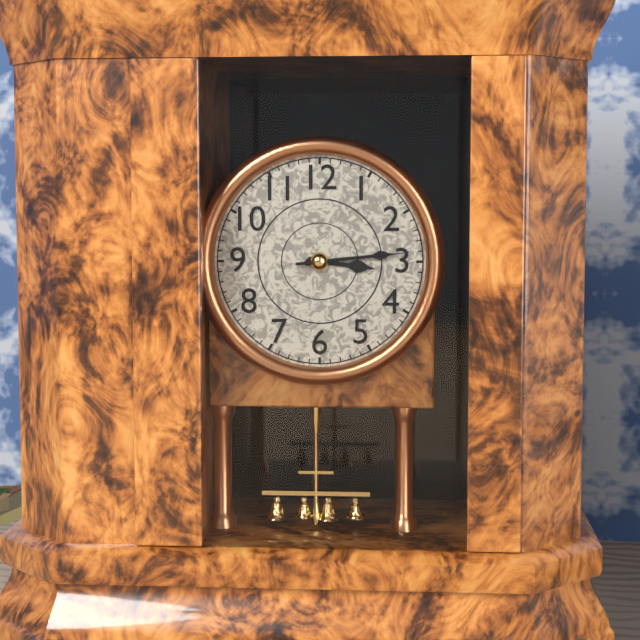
3.14.14
